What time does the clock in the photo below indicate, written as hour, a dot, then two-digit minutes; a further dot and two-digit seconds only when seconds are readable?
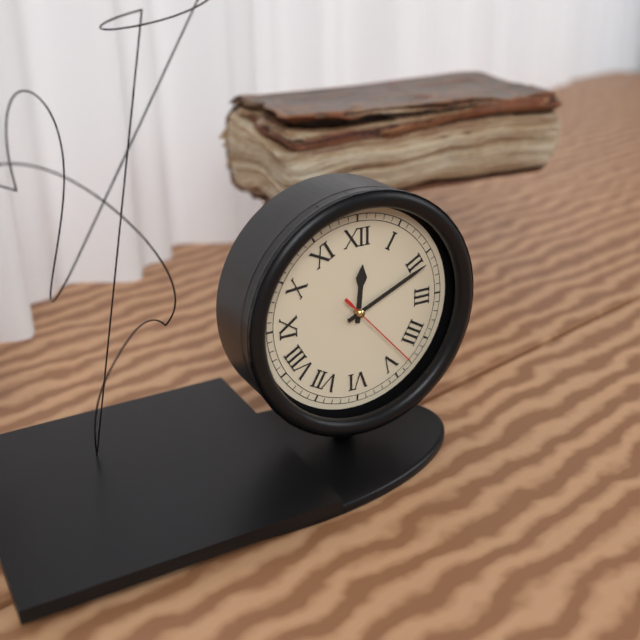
12.11.23
